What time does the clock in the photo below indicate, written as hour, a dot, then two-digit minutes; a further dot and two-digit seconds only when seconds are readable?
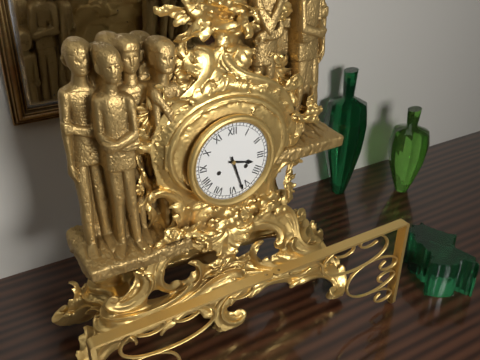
3.27
